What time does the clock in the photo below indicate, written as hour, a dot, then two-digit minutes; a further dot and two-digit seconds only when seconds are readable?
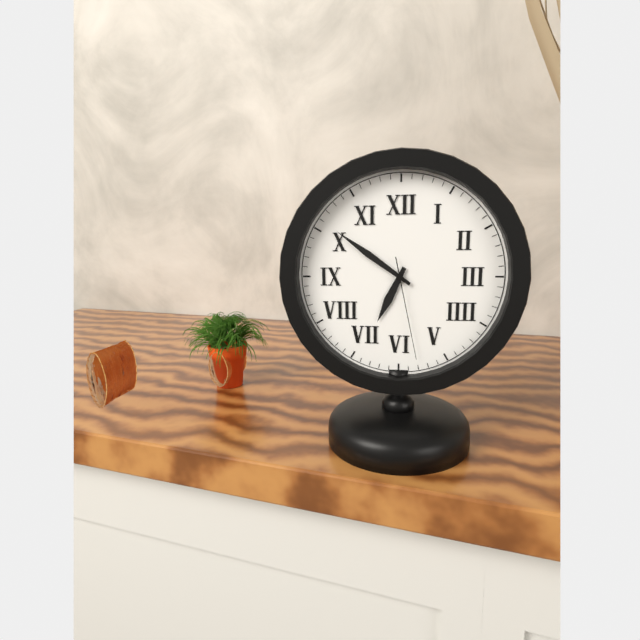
6.51.28
